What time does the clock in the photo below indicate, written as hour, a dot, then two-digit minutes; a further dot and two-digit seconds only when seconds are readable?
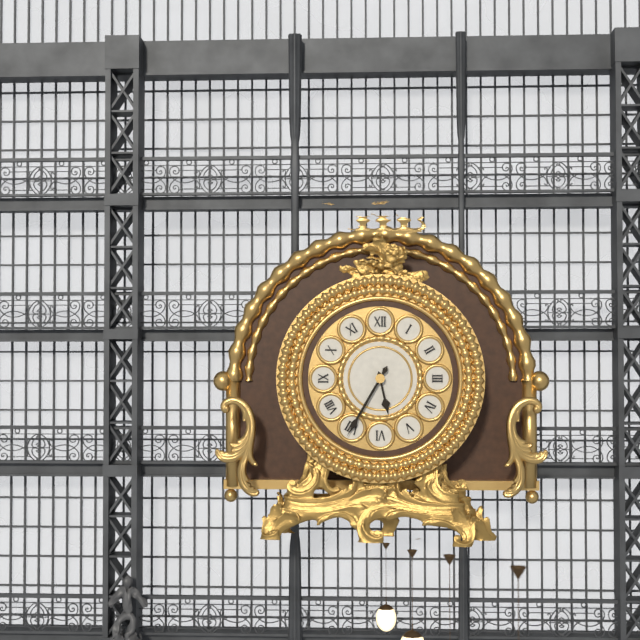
5.35
